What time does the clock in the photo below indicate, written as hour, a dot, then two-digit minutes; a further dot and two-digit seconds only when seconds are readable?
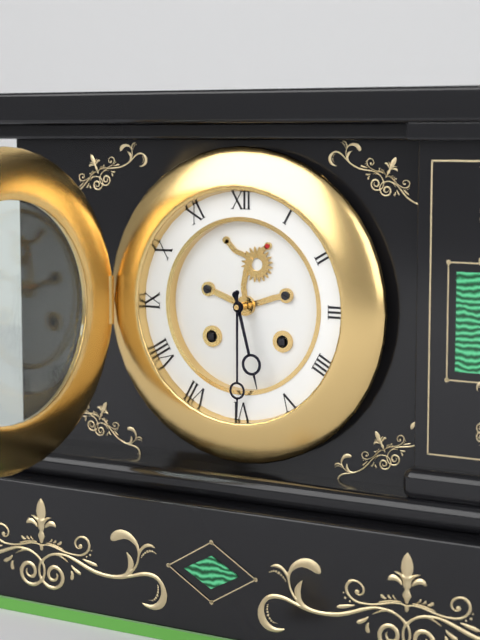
5.30
